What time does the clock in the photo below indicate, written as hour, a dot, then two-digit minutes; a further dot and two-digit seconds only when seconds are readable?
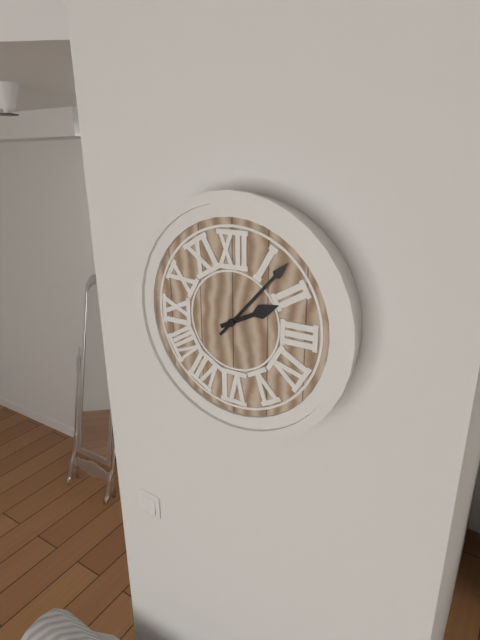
2.07
